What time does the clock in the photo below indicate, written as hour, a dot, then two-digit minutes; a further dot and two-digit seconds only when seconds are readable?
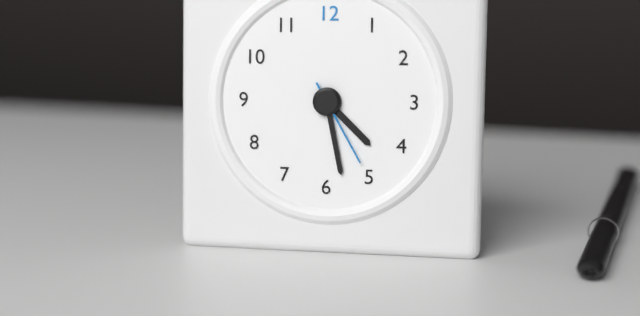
4.28.25
